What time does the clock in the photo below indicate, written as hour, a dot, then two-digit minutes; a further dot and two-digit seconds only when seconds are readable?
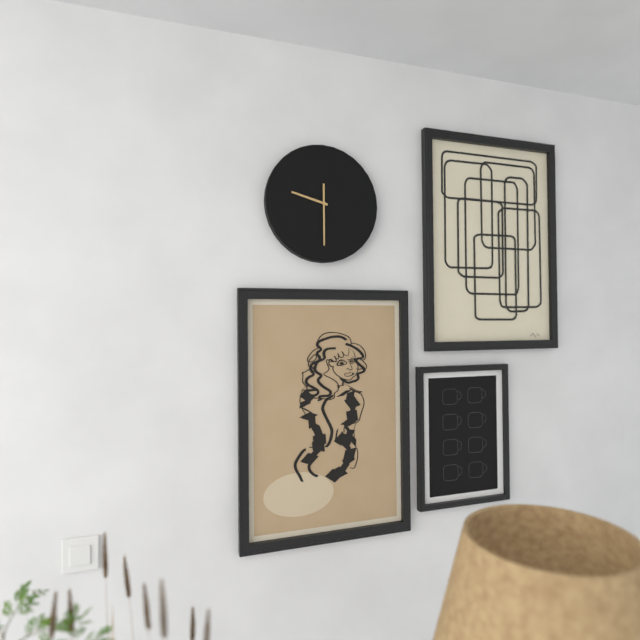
9.30
